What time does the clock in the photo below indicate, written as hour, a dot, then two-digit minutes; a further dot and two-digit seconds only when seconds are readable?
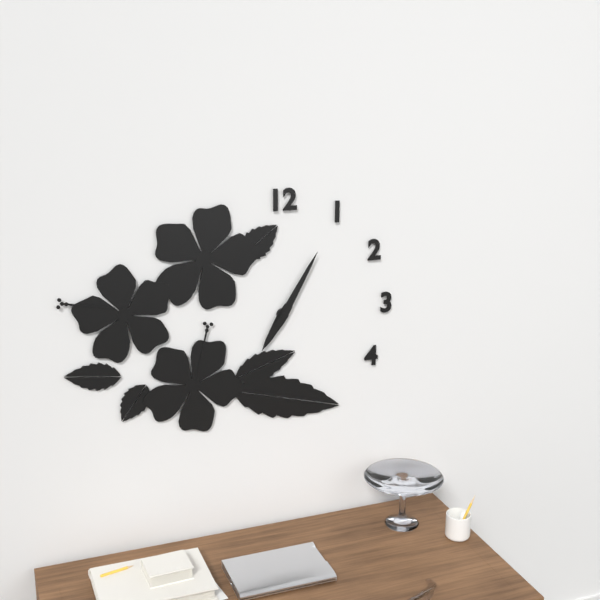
7.05
